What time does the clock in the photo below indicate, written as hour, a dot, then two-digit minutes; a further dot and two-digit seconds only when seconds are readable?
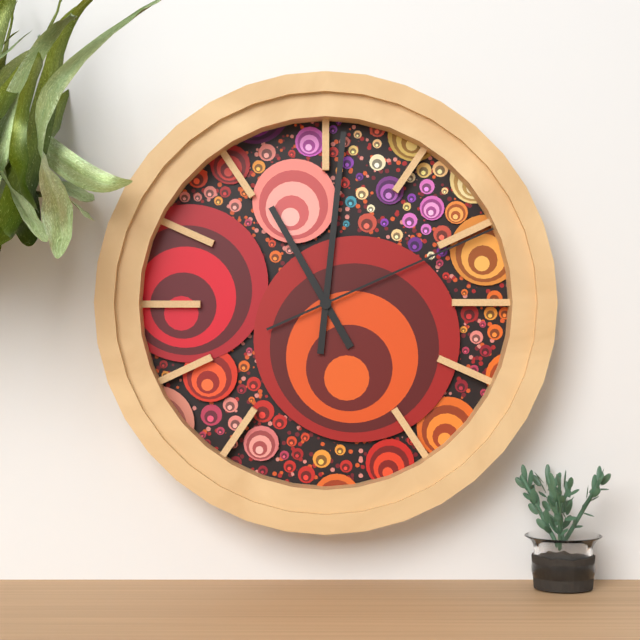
11.01.11
